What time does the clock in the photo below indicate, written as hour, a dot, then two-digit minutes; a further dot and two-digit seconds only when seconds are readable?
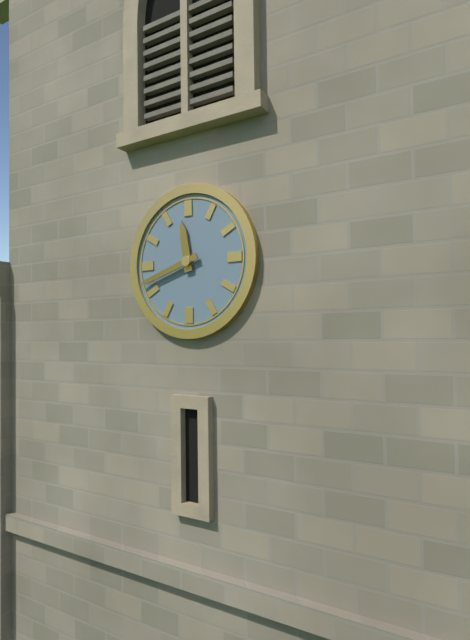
11.42
